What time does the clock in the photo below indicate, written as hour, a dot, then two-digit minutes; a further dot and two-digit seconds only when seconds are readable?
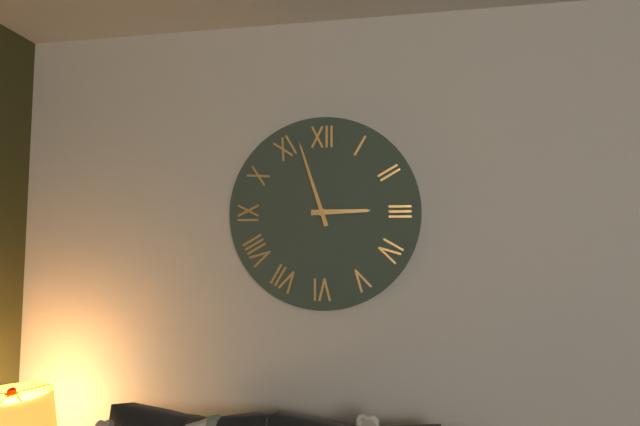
2.57
